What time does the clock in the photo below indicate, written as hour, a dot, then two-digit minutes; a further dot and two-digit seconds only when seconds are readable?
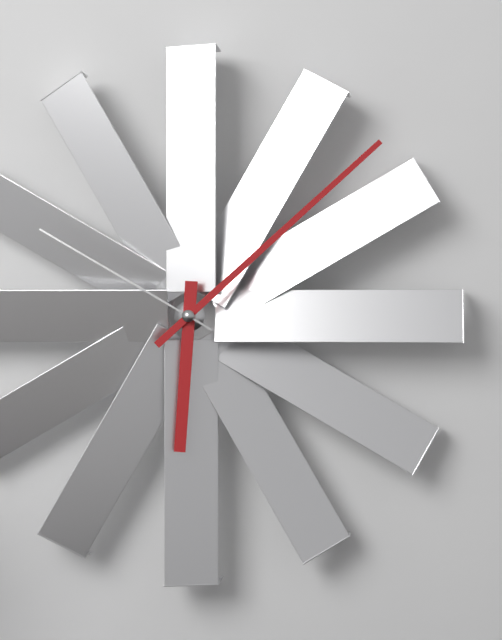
6.08.50
